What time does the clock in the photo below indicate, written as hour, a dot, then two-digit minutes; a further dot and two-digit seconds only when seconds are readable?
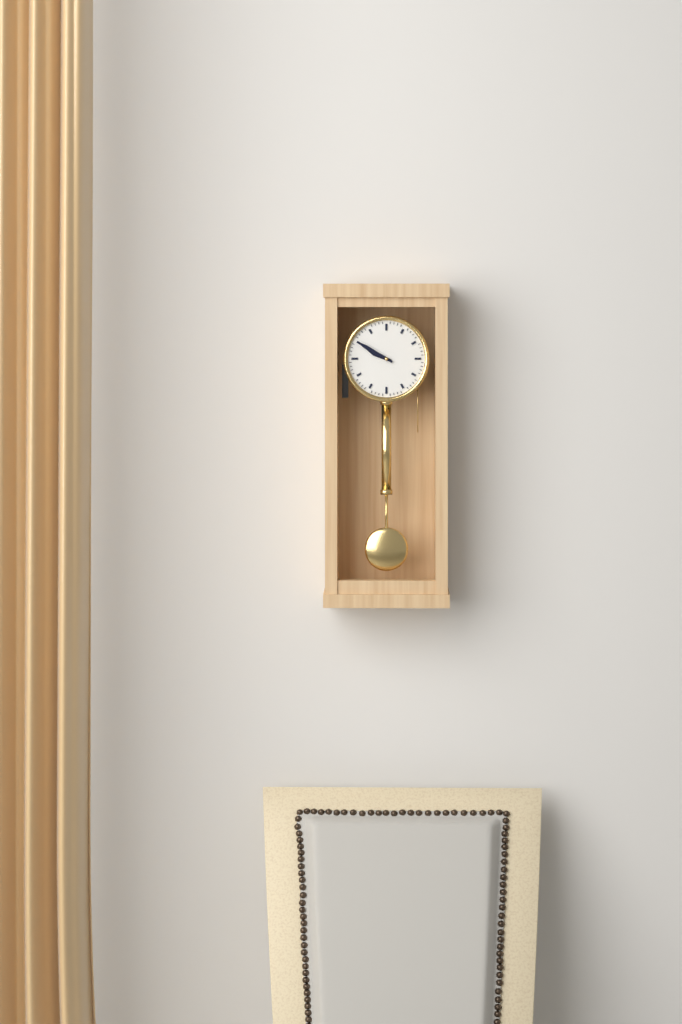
9.50
